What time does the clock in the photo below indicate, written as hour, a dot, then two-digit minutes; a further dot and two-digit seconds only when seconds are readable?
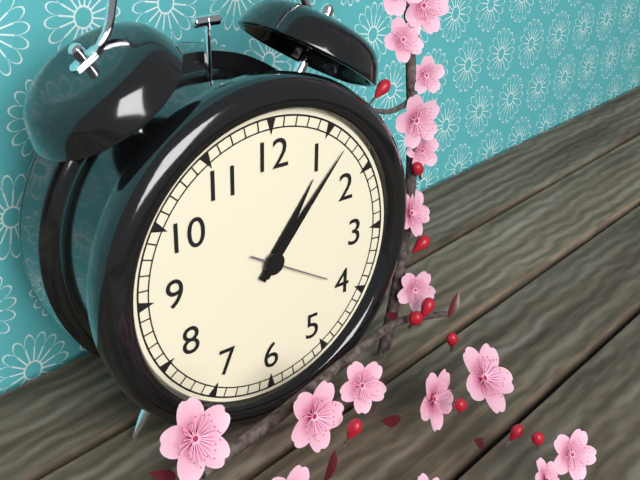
1.07.20
